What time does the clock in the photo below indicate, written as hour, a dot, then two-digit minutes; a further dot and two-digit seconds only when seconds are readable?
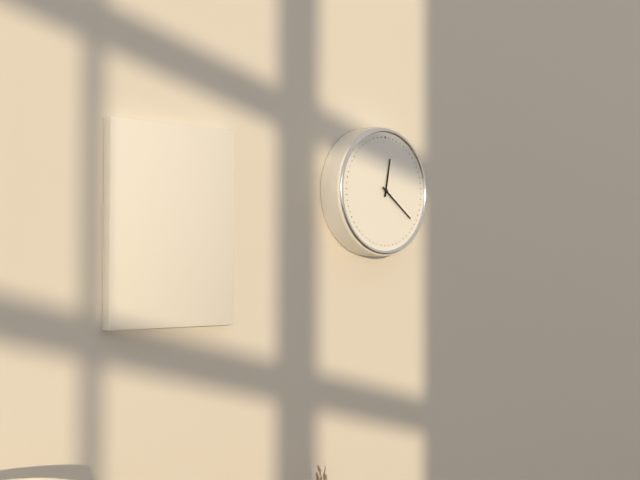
12.21
